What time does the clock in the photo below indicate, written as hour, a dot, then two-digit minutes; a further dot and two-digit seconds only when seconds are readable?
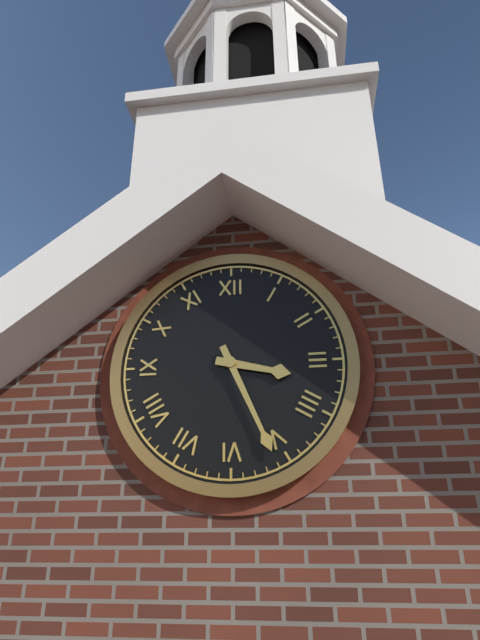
3.26
